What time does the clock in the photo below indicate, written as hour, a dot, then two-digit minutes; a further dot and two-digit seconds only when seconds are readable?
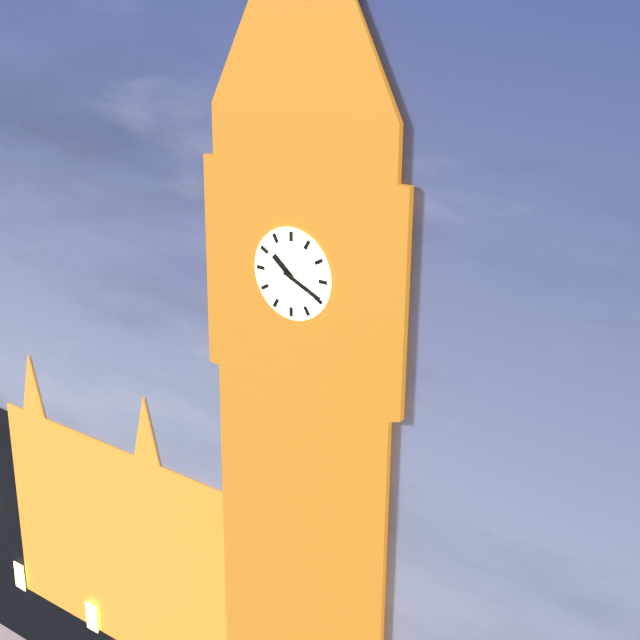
10.19
